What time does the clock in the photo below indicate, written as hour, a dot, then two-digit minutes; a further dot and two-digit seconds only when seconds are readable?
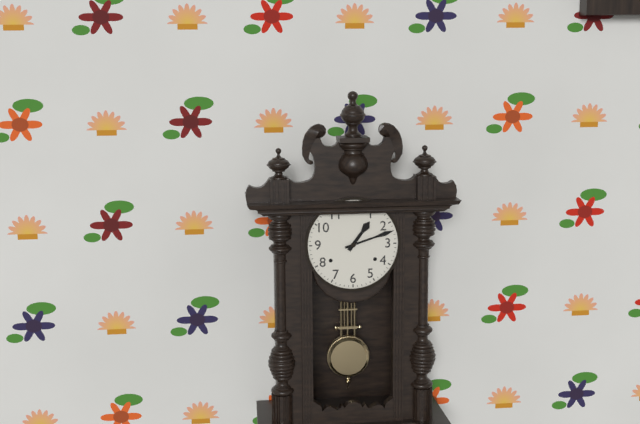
1.12
